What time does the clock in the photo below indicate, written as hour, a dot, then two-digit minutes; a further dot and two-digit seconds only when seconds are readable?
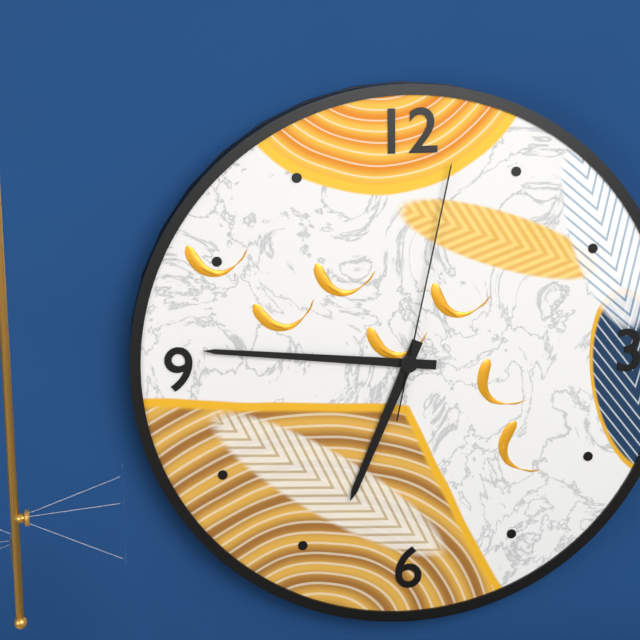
6.46.02
